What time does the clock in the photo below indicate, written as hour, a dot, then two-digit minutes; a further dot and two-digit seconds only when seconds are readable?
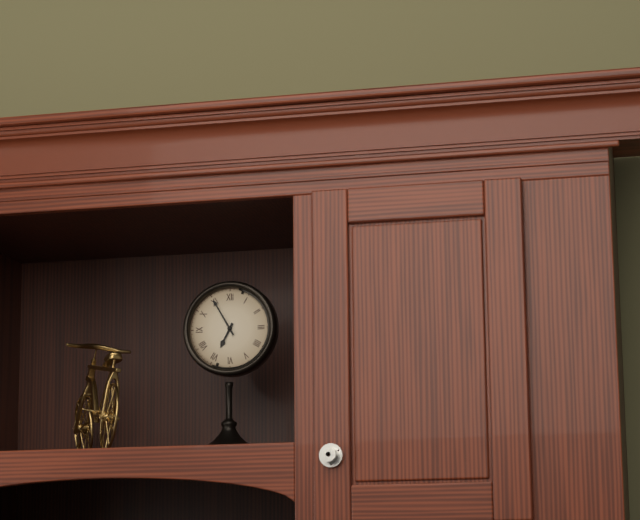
6.55
